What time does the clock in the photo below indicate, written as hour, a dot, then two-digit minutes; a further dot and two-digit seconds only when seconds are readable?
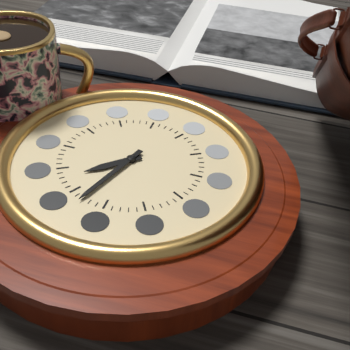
7.33
